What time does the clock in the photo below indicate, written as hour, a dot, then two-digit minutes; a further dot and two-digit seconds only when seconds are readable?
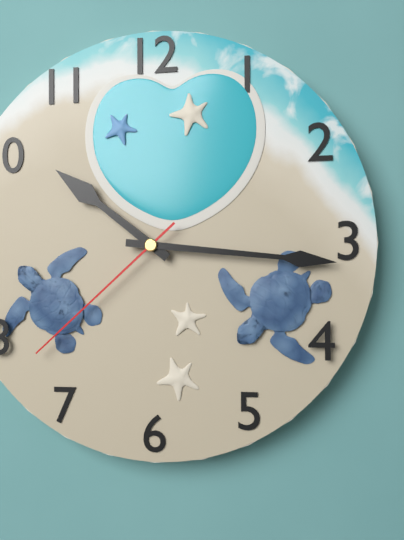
10.16.38
